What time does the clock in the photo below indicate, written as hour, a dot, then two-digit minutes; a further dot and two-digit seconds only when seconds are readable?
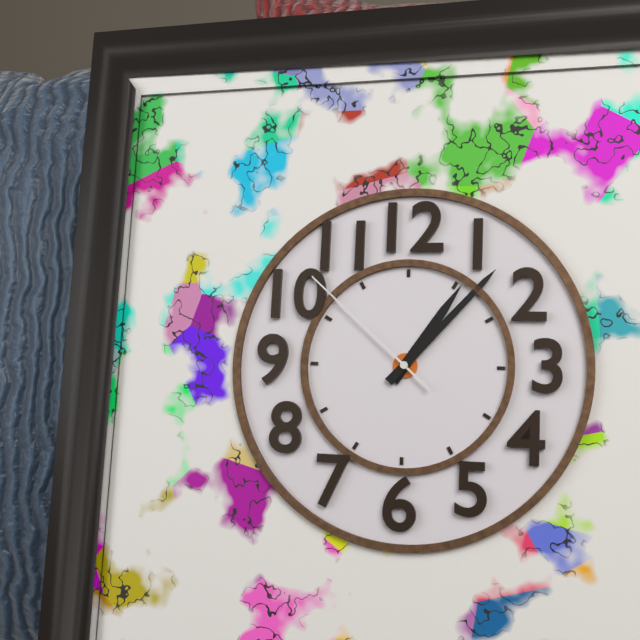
1.07.52
